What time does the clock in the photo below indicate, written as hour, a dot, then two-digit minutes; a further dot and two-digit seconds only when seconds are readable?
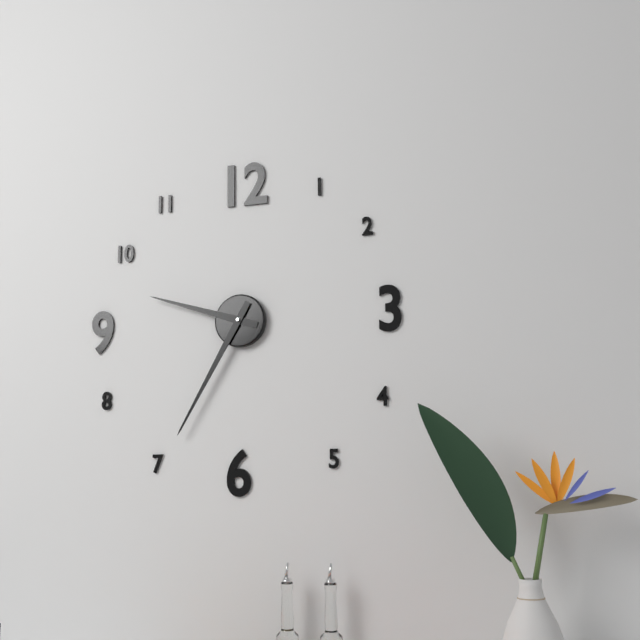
9.35
